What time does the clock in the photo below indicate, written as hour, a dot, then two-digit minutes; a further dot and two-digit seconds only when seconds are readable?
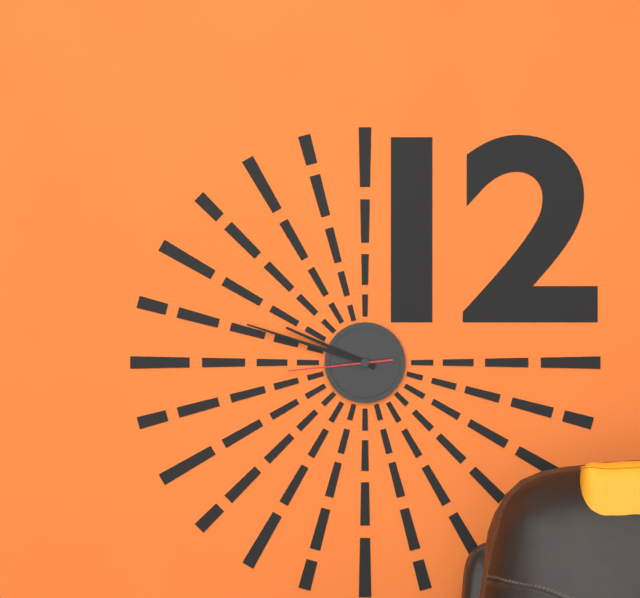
9.48.44
